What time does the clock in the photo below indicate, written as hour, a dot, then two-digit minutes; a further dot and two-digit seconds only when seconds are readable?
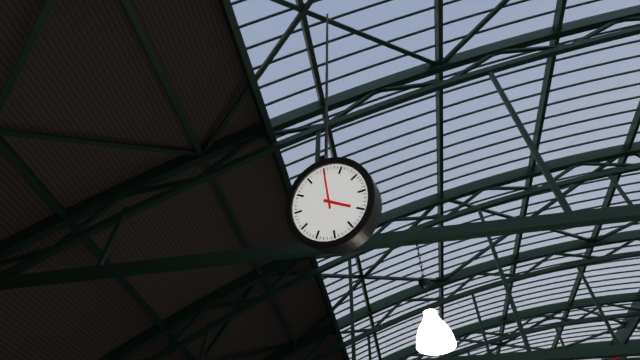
4.00
